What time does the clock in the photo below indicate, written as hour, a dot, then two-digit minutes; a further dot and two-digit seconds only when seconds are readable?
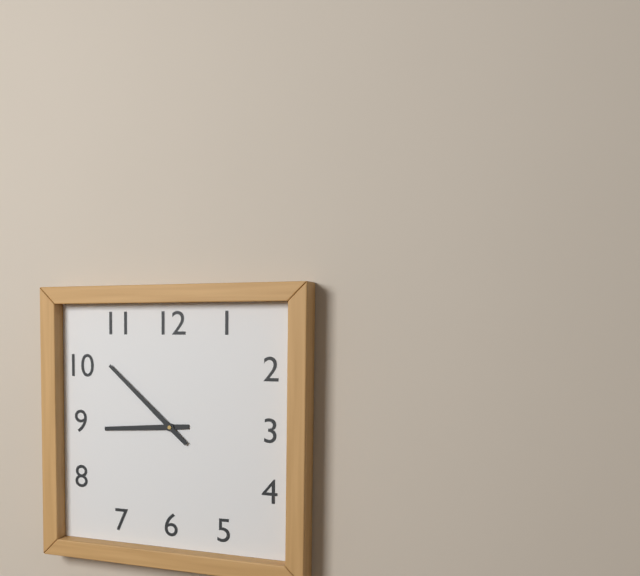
8.52
